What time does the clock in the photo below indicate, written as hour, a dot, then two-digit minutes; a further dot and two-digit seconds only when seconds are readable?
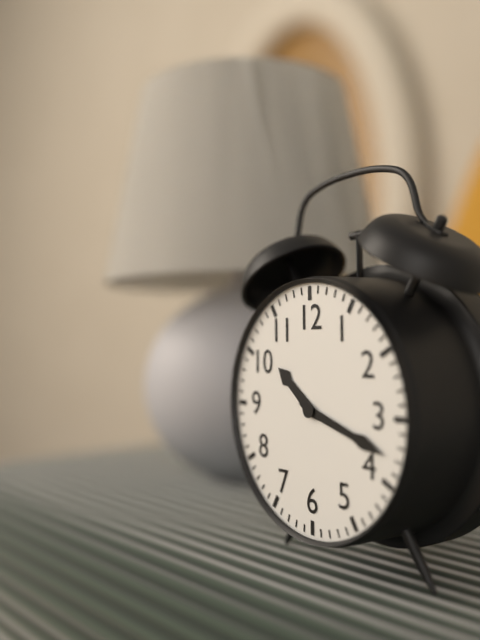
10.18
